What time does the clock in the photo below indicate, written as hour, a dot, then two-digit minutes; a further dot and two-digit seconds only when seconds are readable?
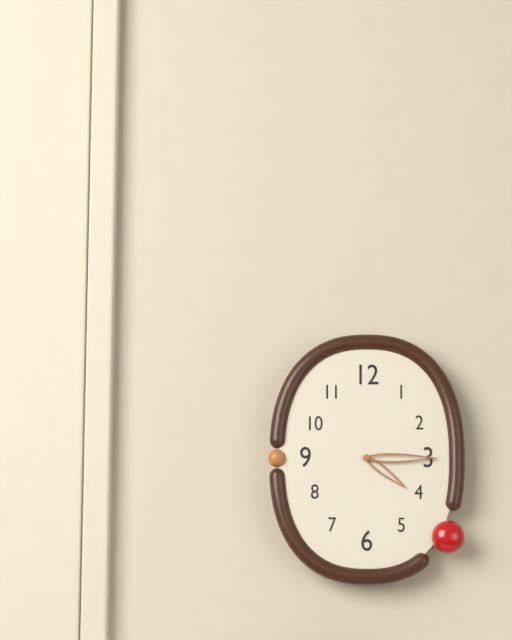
4.15
